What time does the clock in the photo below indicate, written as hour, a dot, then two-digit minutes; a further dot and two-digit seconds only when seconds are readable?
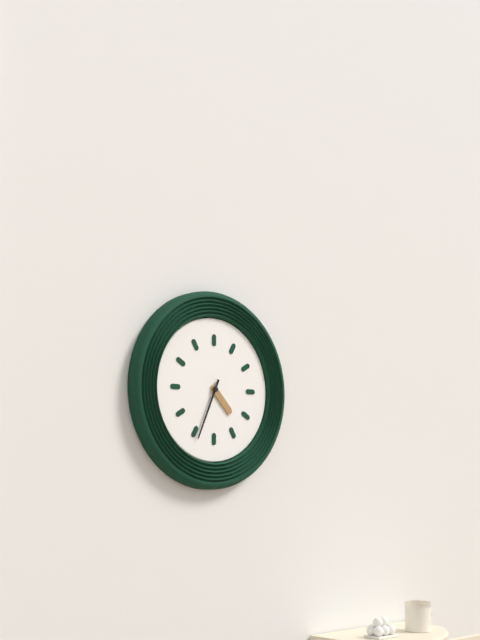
4.34
